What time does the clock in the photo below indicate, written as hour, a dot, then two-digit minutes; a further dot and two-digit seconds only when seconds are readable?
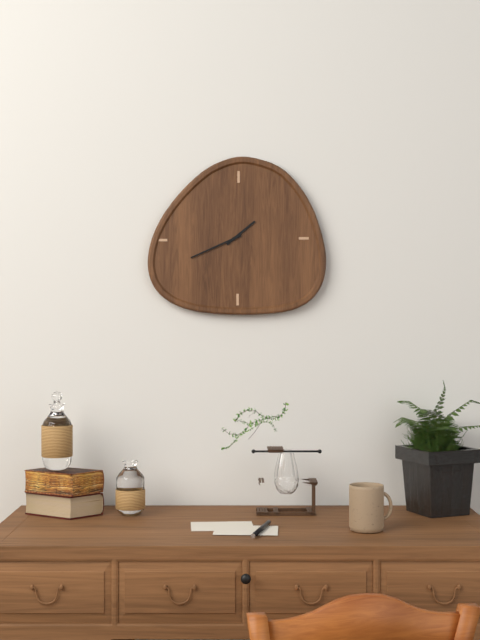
1.41
